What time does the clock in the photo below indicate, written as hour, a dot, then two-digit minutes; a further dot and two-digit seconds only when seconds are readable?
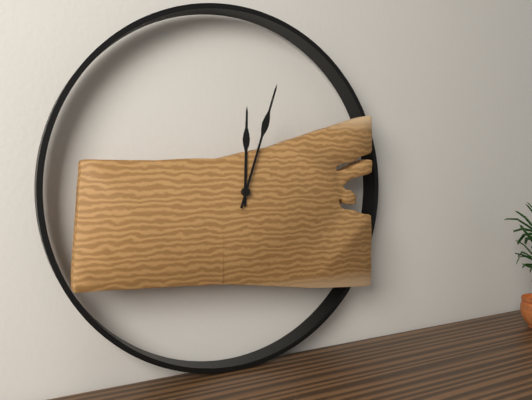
12.03
